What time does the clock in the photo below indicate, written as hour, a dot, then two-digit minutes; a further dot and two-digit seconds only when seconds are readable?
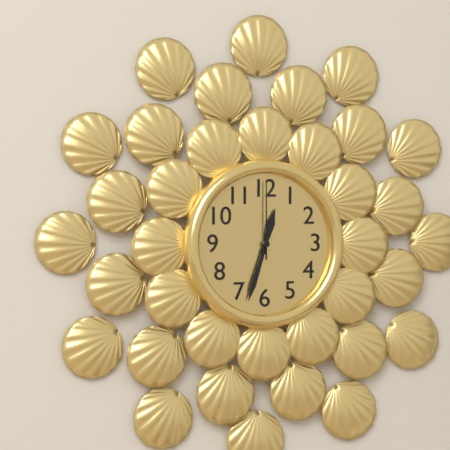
12.33.00
